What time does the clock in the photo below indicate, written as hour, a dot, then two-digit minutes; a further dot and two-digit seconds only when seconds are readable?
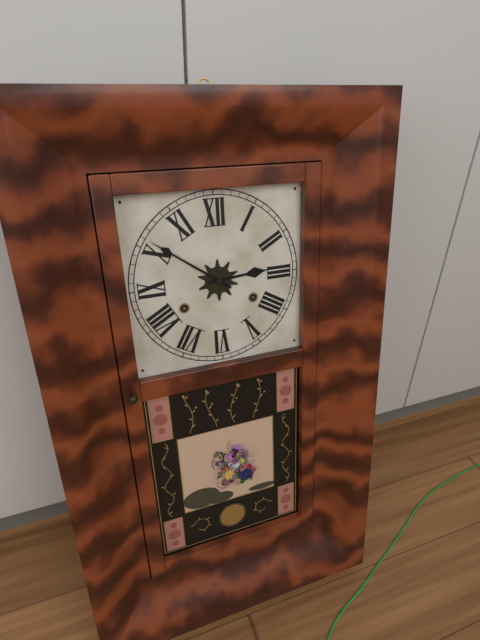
2.51
